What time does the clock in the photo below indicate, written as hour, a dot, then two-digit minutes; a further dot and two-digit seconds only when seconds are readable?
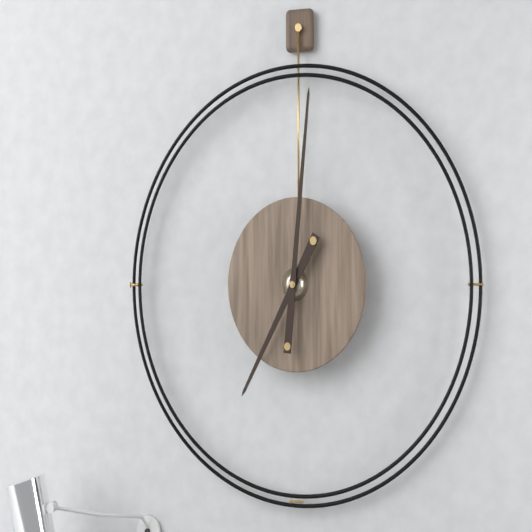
7.01
